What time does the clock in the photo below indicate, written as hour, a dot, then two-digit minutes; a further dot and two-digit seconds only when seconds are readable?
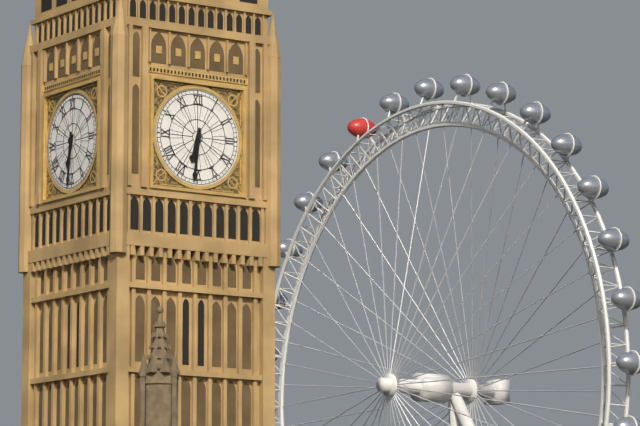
6.31
